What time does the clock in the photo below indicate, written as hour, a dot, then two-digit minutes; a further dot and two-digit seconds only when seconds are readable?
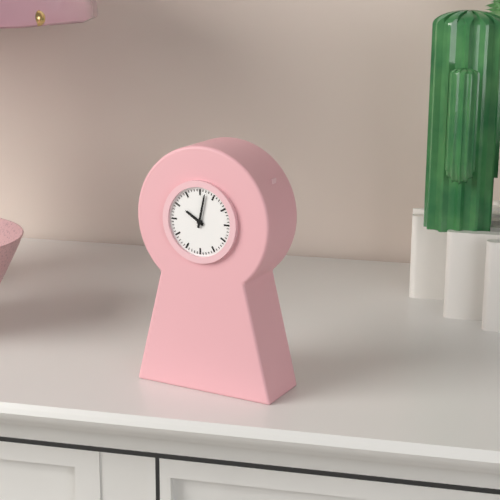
10.02
